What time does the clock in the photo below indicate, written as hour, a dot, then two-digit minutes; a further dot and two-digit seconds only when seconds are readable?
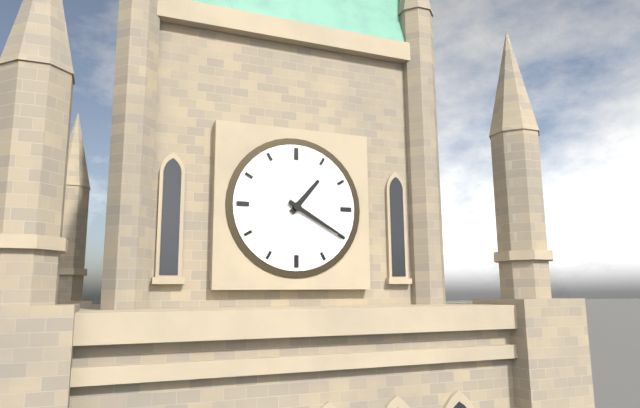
1.20
